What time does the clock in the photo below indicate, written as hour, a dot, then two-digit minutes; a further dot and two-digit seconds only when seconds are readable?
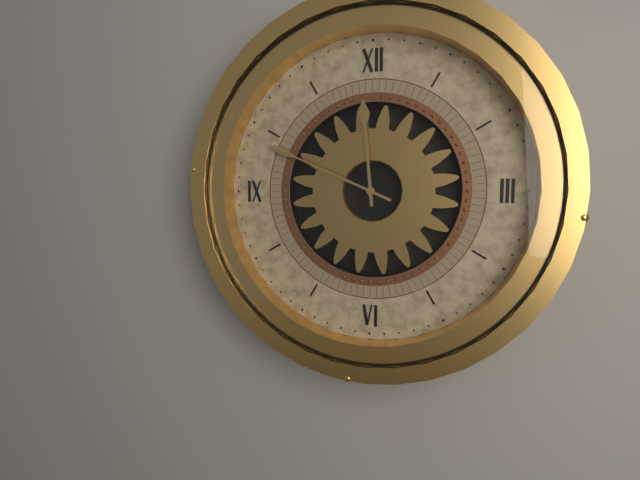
11.49
